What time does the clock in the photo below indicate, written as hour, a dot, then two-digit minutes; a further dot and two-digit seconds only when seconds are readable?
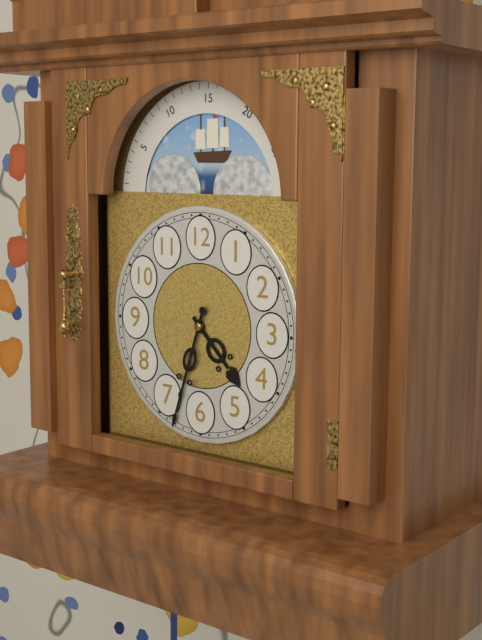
4.33
